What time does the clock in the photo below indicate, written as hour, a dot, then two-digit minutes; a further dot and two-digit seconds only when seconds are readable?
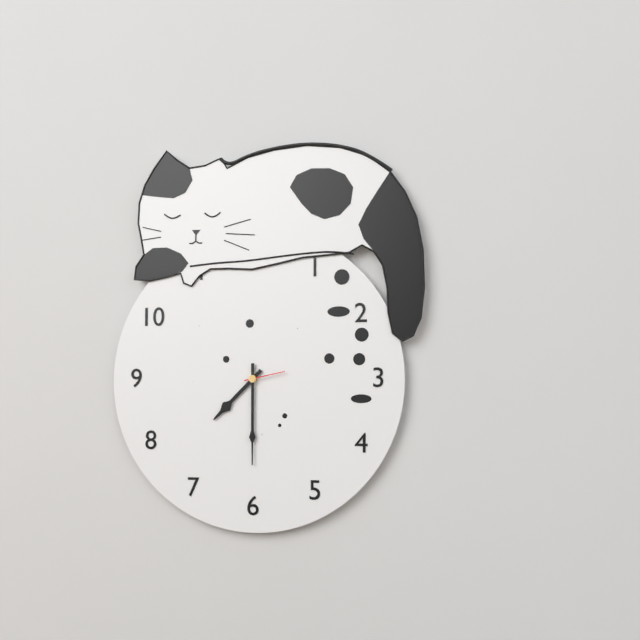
7.30
